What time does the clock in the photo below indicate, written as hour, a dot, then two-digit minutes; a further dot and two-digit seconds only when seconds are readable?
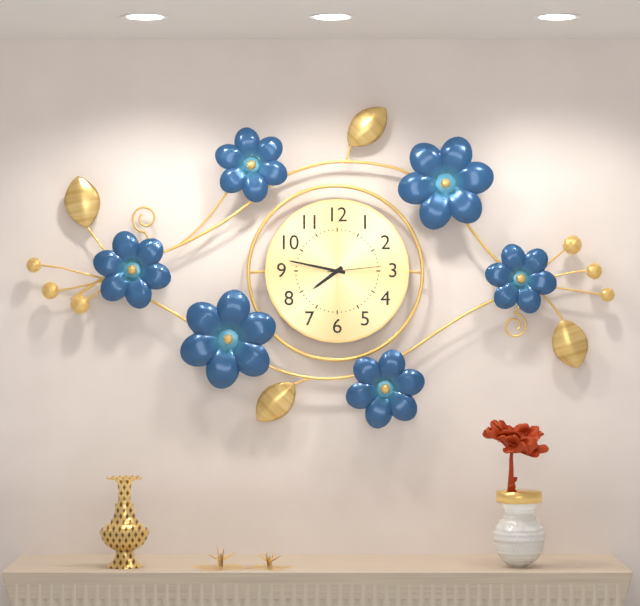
7.47.14
